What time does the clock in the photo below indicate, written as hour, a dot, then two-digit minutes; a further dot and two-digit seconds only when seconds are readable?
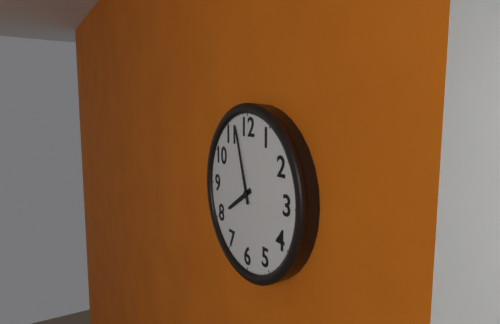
7.57
